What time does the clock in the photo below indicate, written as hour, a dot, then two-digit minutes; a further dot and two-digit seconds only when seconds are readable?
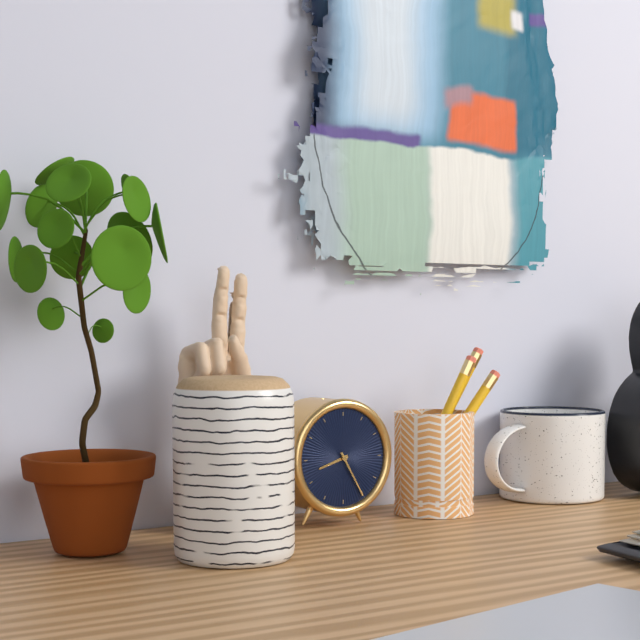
8.25
